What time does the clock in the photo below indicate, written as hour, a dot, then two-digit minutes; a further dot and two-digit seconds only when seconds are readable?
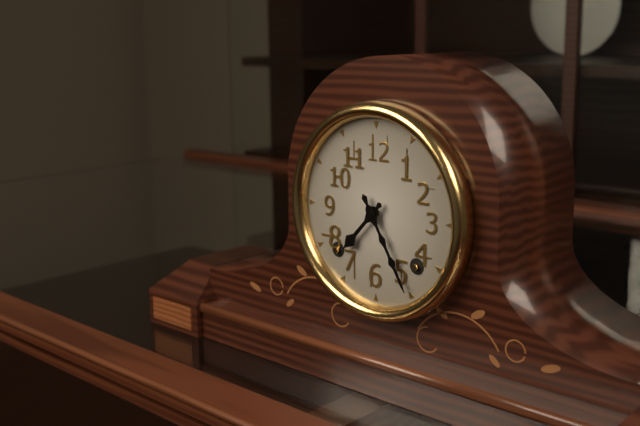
7.25
